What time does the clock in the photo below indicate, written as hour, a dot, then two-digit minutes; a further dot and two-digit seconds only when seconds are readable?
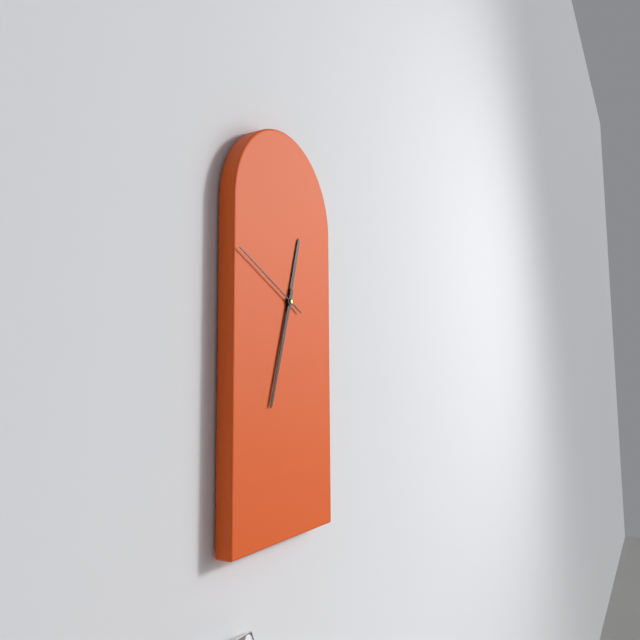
12.33.49
